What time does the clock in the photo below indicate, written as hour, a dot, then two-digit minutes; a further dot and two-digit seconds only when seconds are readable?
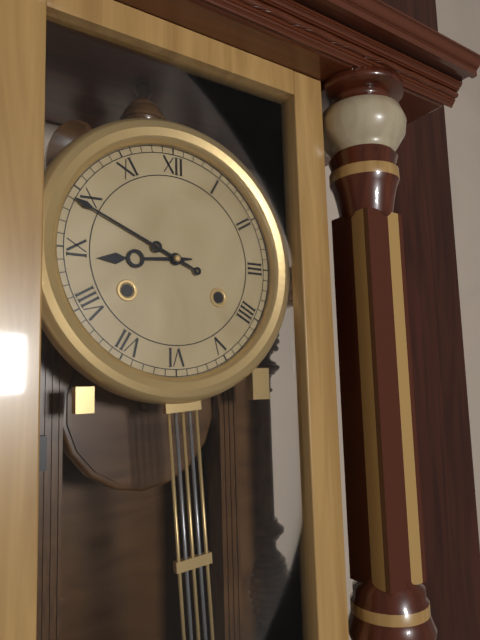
8.49
